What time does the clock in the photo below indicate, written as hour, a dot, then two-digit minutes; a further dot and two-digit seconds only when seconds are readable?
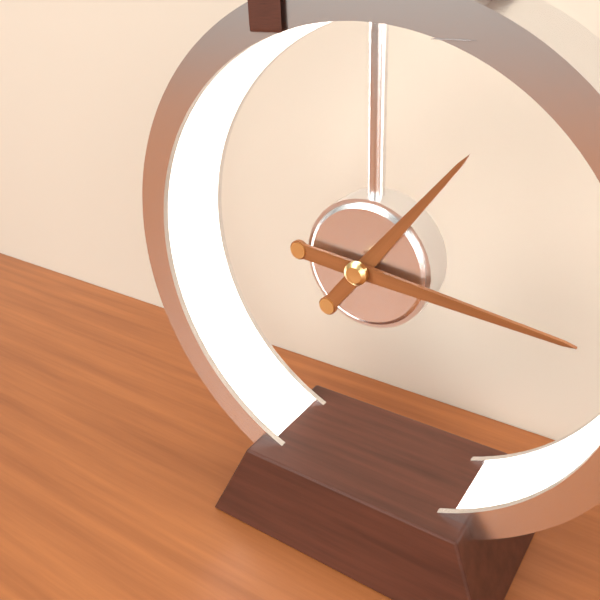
1.16
